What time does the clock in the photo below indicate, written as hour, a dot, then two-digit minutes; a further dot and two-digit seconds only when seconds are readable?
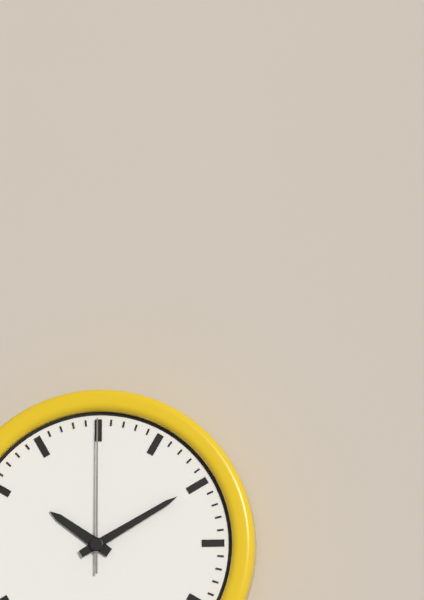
10.10.00
